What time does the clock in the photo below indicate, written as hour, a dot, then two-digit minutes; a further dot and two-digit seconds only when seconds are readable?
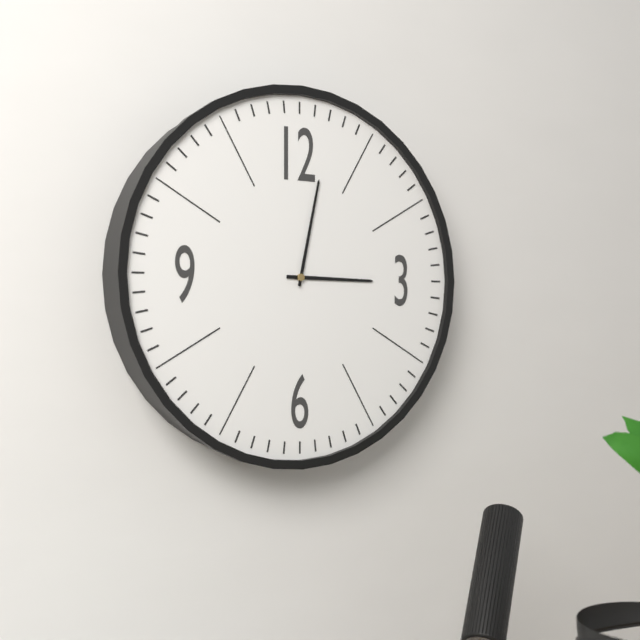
3.02
